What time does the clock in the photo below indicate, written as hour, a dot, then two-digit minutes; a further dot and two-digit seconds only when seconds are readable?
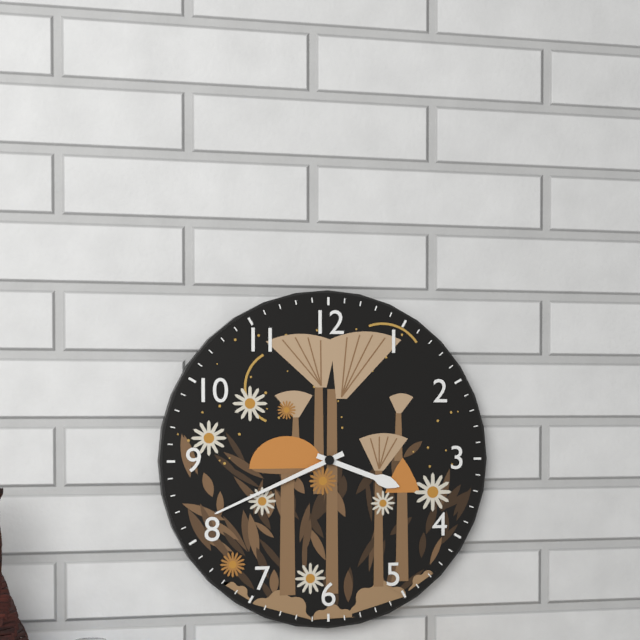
3.41
